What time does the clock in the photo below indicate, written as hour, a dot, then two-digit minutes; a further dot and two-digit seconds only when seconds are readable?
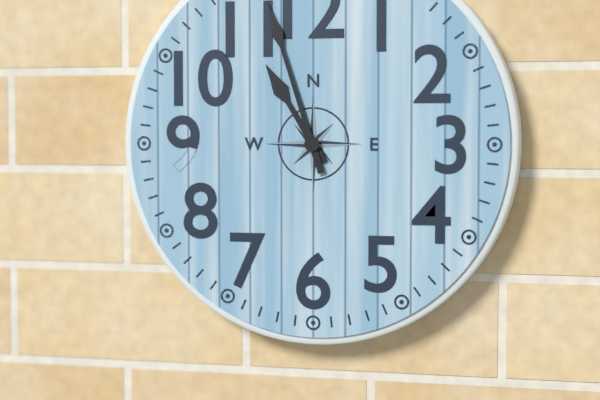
10.57
